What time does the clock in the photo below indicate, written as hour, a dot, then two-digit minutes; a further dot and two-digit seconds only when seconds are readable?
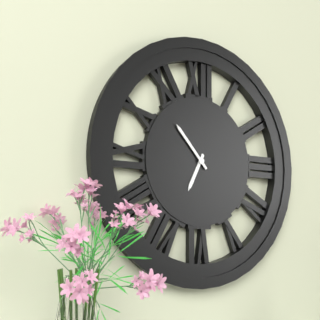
6.53
